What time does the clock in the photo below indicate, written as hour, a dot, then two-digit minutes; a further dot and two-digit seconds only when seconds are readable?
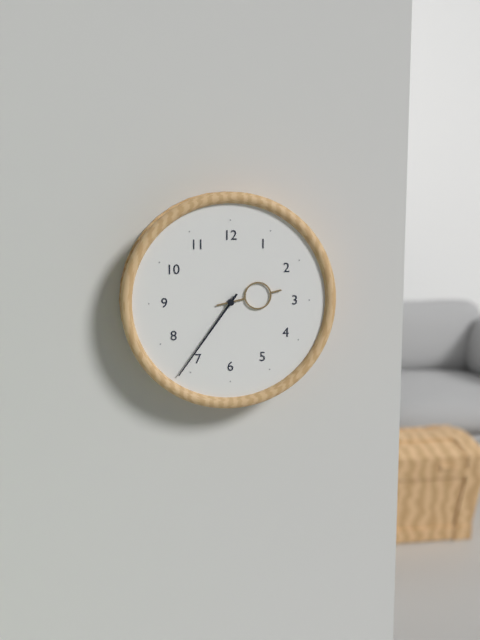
2.36
